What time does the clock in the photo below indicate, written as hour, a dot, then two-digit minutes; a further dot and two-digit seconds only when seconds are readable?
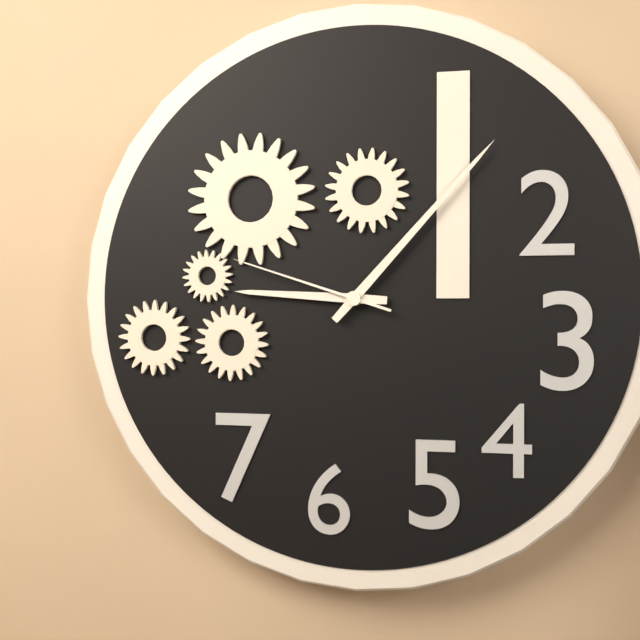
9.07.48
